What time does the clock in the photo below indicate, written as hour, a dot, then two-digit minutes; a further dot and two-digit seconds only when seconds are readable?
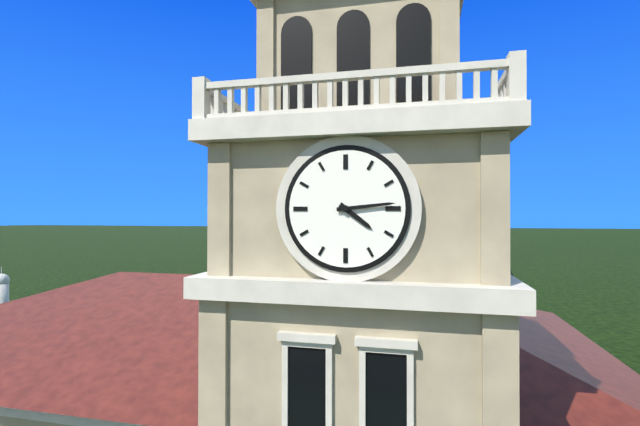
4.14
